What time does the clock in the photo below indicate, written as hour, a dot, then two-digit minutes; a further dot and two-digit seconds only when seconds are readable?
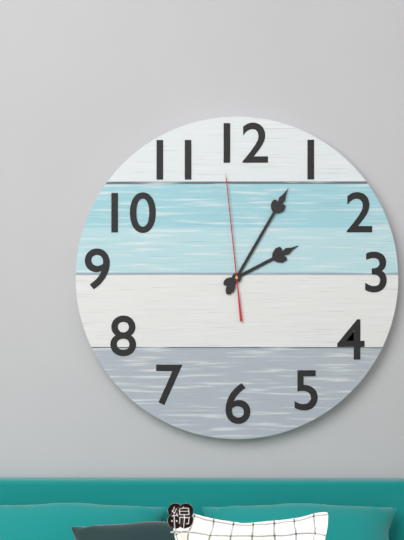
2.05.59
